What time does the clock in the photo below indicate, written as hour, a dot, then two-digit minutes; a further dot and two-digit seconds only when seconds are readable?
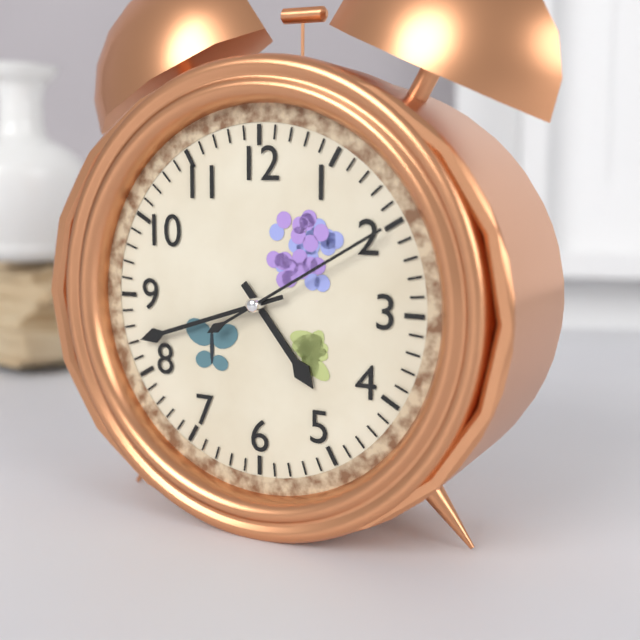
4.42.10
